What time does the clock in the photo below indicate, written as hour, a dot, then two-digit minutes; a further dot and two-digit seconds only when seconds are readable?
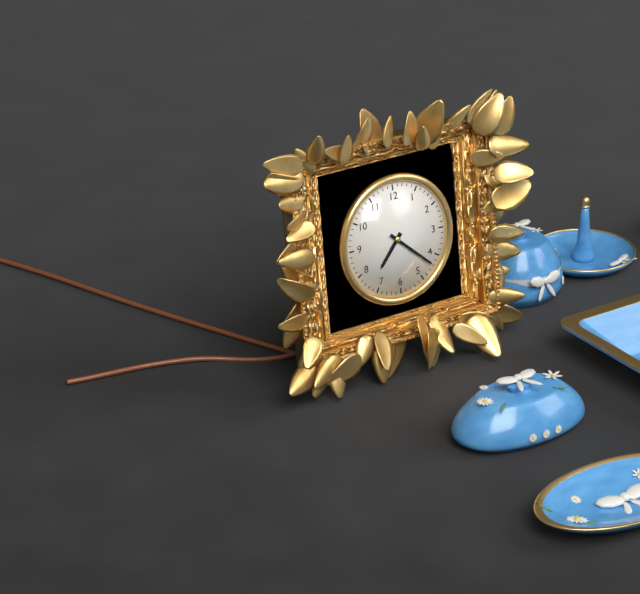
7.22
